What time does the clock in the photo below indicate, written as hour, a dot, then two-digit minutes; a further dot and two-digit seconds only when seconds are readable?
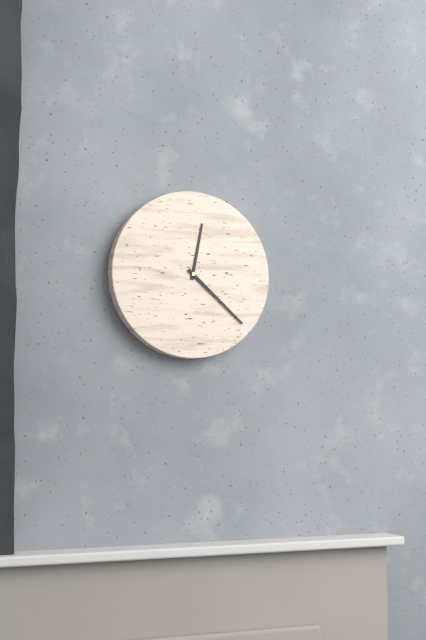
12.22
